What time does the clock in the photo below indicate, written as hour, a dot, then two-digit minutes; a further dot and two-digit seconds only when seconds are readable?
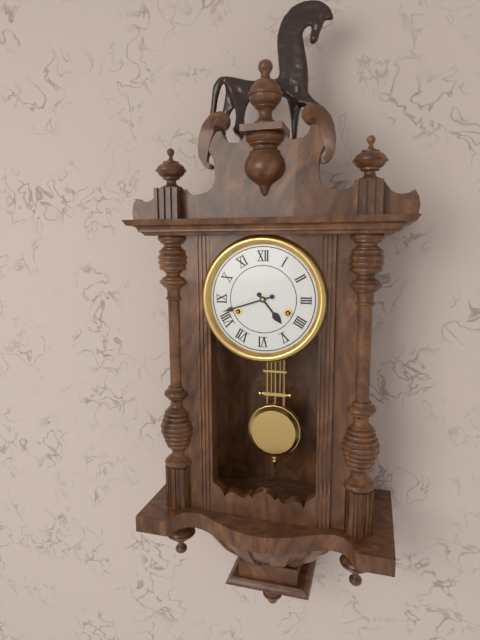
4.42
